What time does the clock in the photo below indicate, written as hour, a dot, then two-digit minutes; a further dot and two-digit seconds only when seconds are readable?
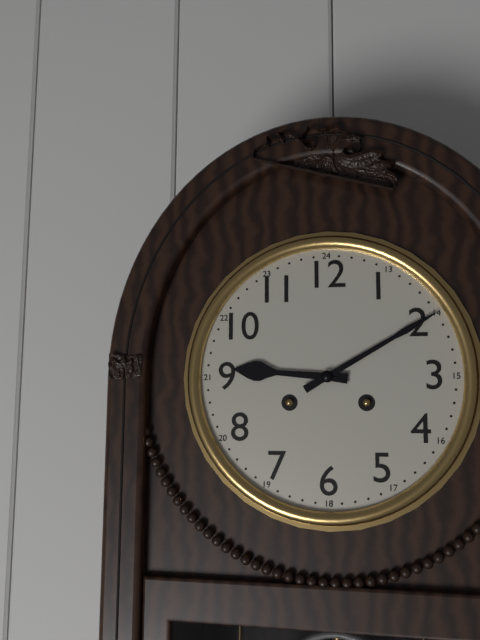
9.10
